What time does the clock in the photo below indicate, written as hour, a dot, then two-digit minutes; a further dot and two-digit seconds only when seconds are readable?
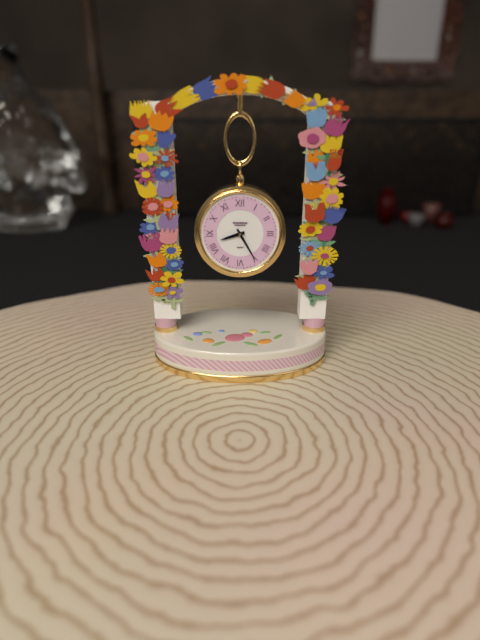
8.25
